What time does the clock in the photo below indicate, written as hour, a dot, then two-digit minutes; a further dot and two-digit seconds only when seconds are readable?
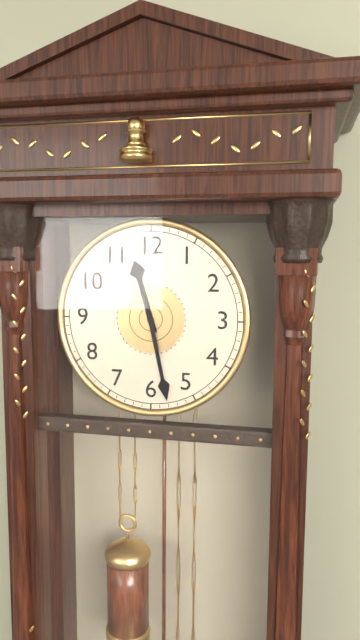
11.28
